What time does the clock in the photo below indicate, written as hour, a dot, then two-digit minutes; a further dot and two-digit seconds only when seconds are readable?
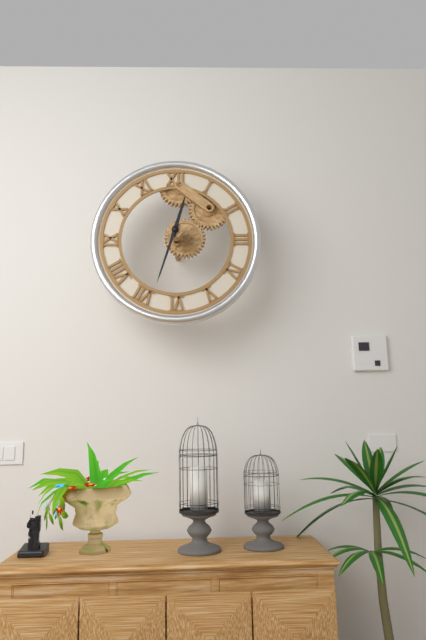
12.33
